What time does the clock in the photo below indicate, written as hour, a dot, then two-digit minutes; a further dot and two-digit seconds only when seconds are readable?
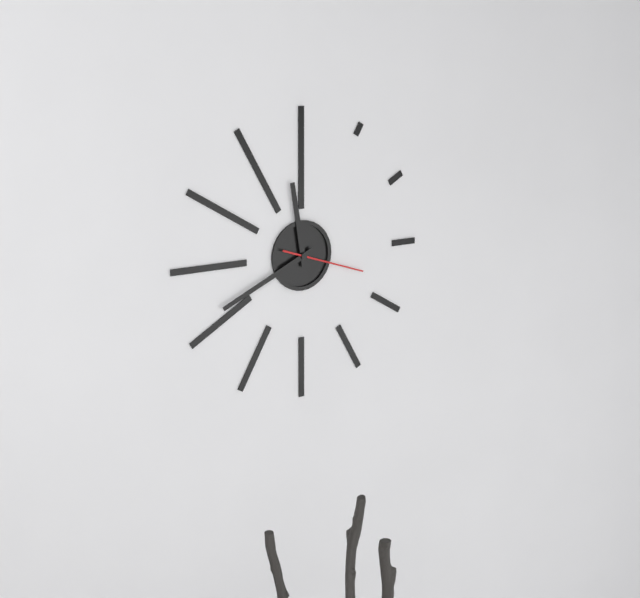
11.41.18
